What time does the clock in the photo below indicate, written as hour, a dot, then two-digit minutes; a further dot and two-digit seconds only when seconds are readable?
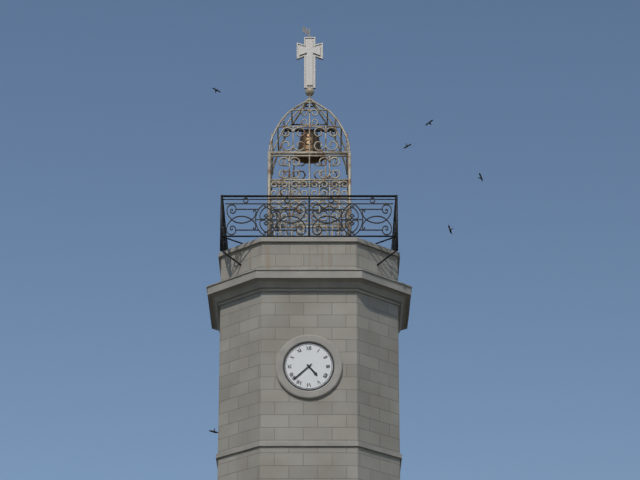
4.38
